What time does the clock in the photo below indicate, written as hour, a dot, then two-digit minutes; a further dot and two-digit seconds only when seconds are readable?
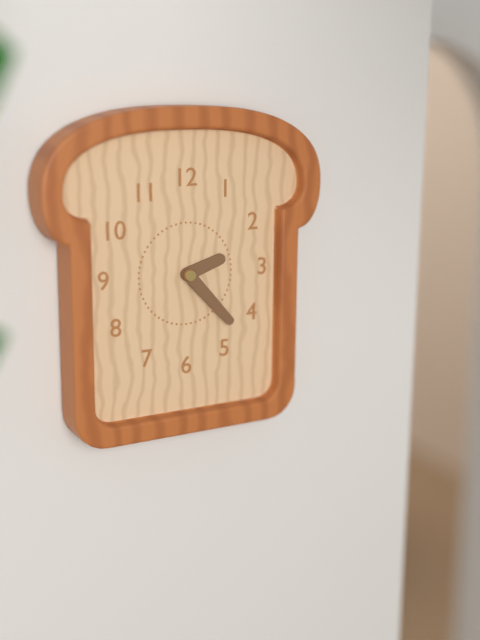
2.23
